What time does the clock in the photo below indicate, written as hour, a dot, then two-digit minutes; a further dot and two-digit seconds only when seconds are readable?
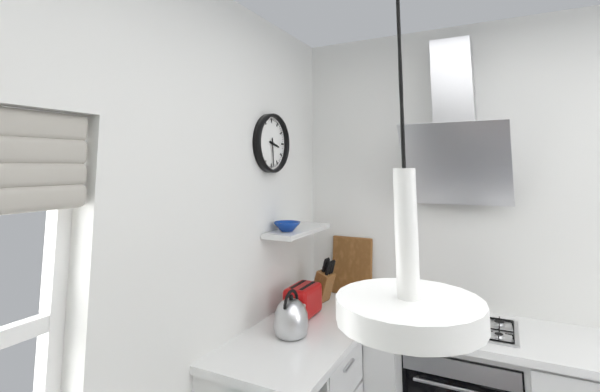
3.29
